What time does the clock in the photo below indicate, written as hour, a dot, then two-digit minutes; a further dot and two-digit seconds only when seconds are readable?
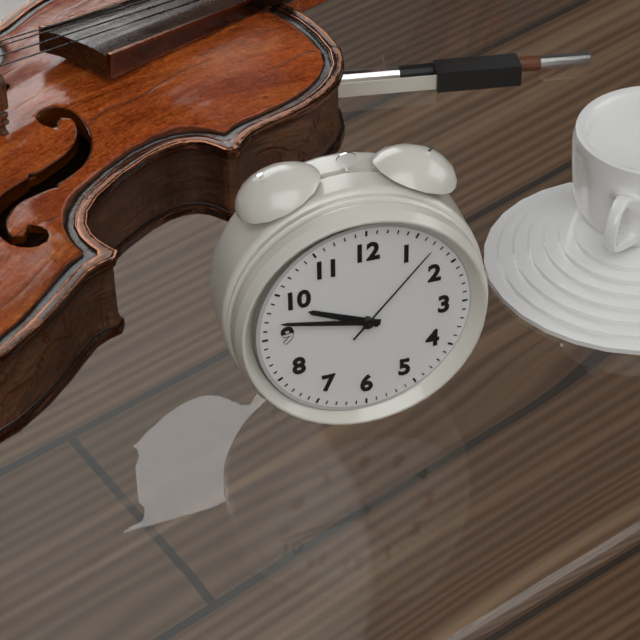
9.47.07
